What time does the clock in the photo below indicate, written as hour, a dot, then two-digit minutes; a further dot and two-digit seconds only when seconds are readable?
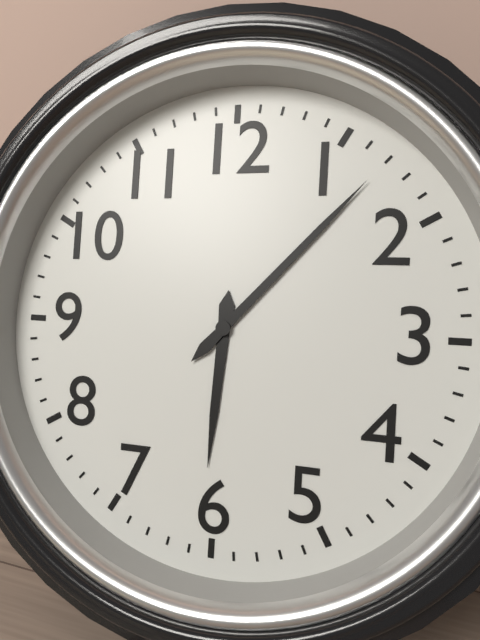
6.07
